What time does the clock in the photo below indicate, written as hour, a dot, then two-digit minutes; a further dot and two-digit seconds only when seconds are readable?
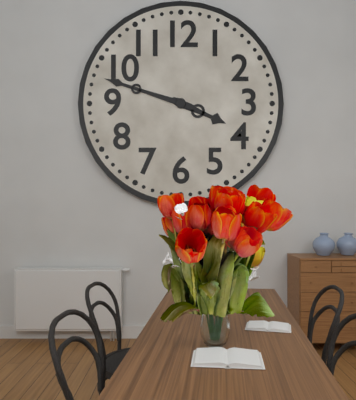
3.48
